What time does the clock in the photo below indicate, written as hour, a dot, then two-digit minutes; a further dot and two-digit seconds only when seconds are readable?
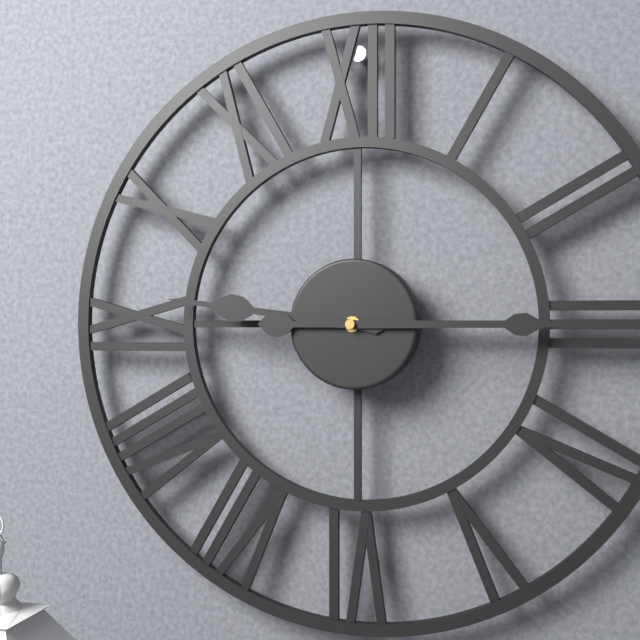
9.15
